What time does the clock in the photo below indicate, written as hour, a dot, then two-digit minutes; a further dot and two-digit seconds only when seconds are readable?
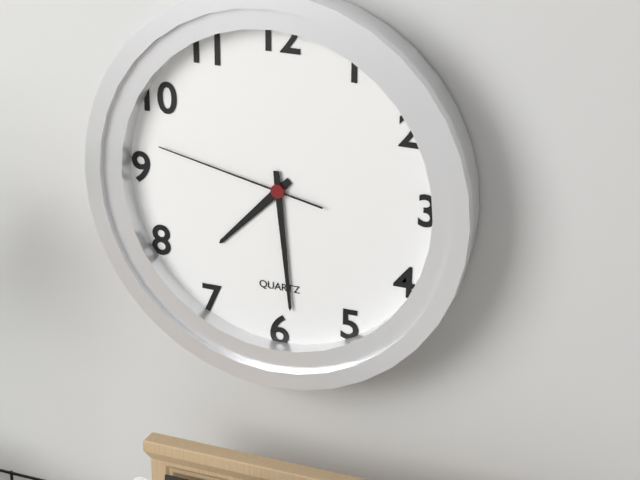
7.29.47
